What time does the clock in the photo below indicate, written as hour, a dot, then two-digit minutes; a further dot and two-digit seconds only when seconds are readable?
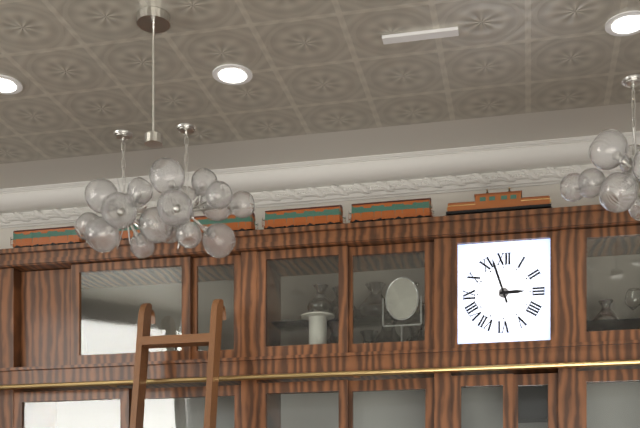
2.57
